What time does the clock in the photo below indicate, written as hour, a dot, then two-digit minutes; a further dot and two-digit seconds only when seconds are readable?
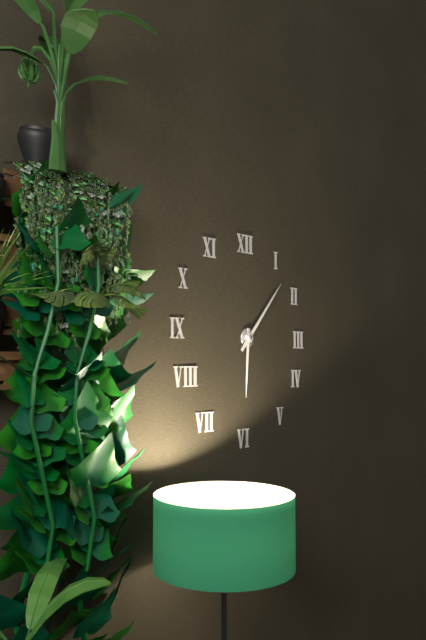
6.07
